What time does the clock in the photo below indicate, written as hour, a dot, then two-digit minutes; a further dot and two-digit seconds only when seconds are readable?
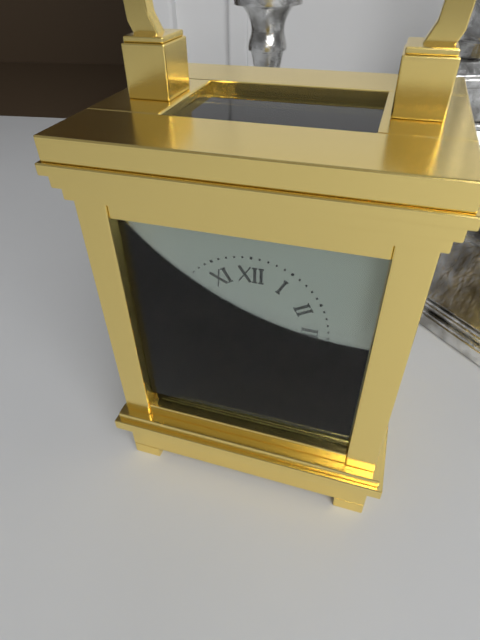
3.23
